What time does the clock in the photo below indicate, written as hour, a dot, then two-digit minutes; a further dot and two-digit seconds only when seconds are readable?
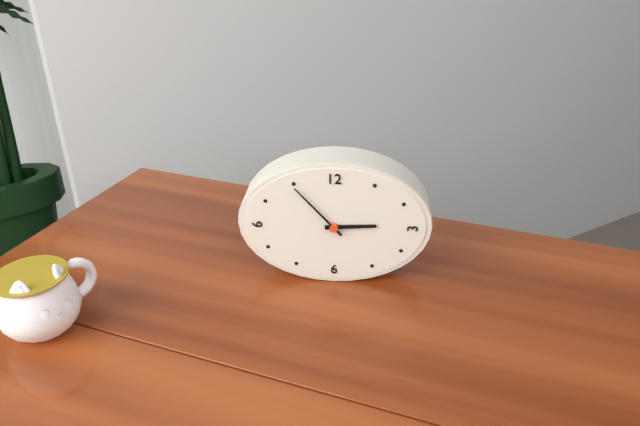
2.53
